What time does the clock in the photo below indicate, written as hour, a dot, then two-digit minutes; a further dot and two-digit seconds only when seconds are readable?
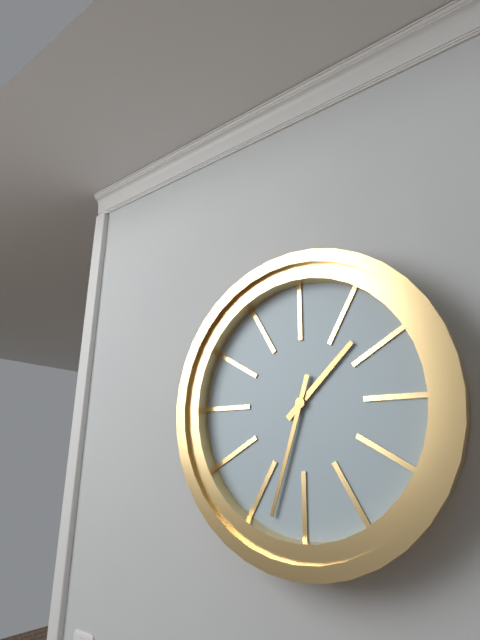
1.33
